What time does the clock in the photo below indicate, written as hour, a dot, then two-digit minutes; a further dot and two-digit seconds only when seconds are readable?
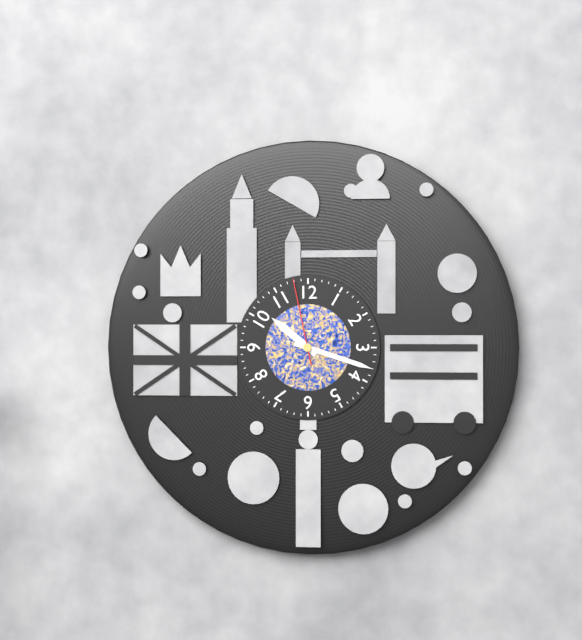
10.18.58
